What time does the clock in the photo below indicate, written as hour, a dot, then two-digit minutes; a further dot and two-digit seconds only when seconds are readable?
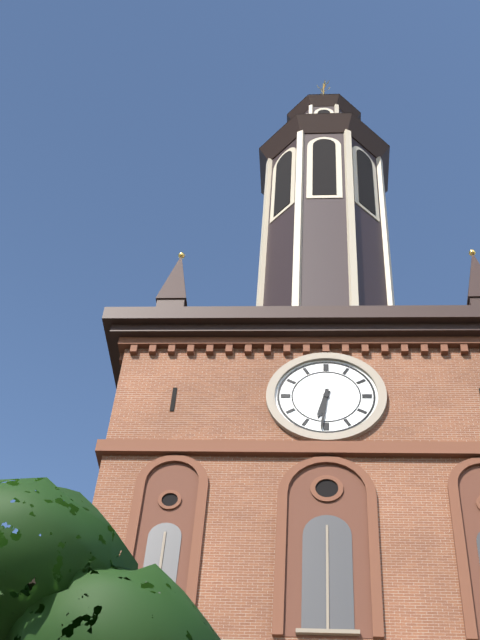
6.31
